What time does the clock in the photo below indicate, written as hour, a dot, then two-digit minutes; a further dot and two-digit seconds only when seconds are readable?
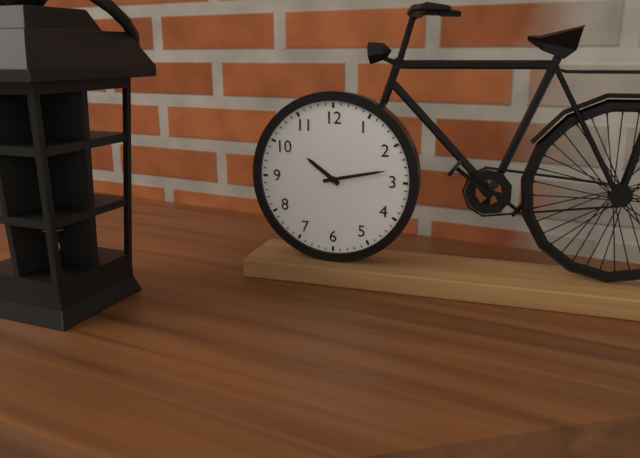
10.13
